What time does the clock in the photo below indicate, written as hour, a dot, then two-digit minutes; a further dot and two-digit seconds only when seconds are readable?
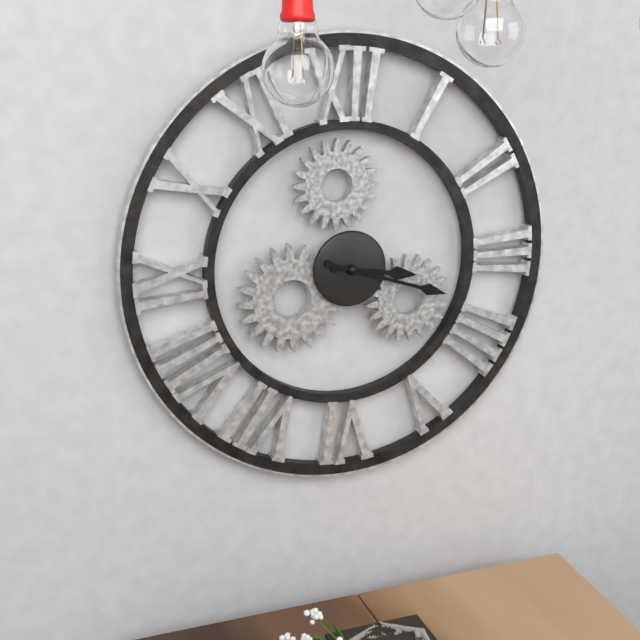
3.18
